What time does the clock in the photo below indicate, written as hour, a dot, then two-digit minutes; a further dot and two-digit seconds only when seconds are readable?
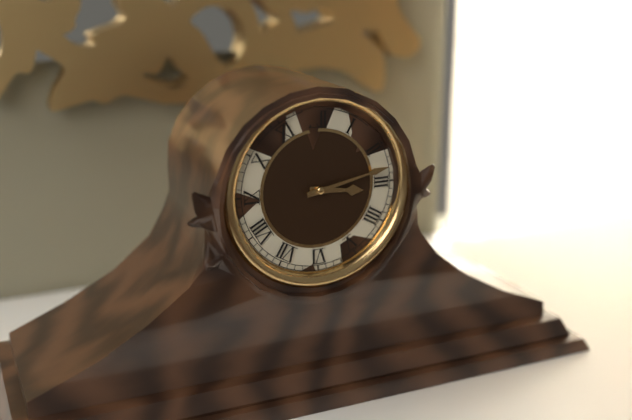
3.13
